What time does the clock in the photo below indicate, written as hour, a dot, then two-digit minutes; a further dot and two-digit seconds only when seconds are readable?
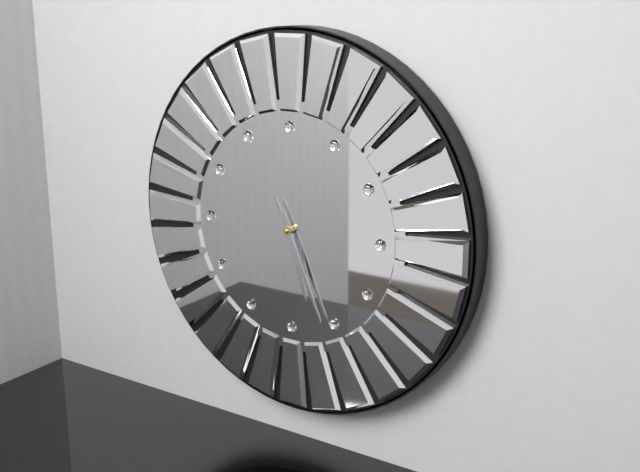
5.26
